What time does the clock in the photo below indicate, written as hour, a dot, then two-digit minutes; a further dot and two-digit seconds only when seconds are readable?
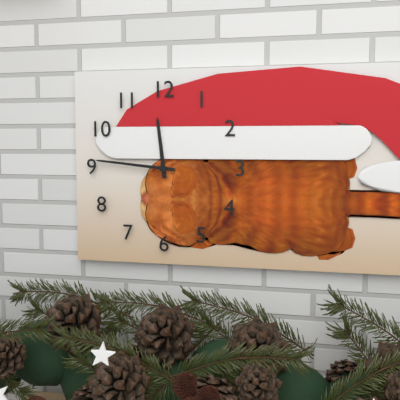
11.46
